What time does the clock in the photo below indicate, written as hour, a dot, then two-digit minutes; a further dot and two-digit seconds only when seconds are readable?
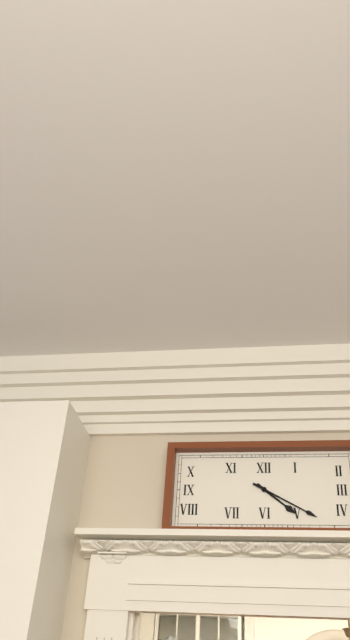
4.20
